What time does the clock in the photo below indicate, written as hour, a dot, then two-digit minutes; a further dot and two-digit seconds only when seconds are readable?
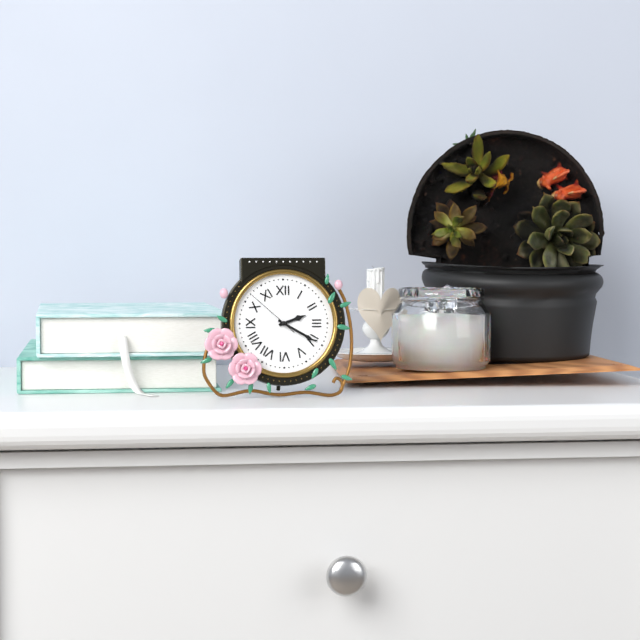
2.20.52
